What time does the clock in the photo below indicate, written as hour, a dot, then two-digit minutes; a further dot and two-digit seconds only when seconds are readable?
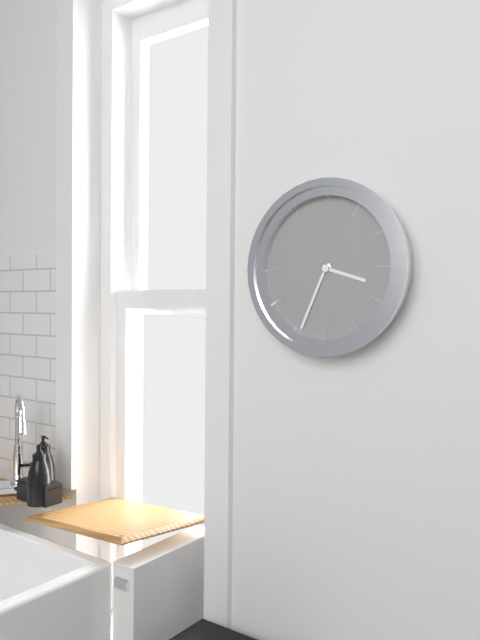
3.34
